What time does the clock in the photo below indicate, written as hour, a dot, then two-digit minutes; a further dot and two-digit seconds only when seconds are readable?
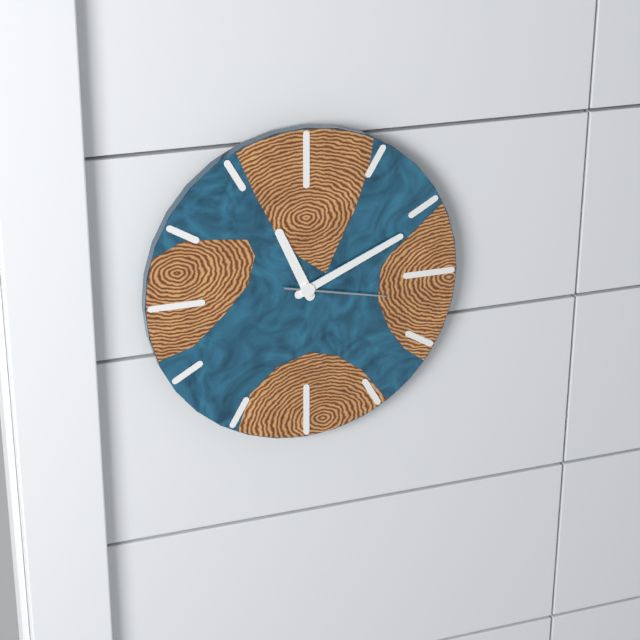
11.11.17
